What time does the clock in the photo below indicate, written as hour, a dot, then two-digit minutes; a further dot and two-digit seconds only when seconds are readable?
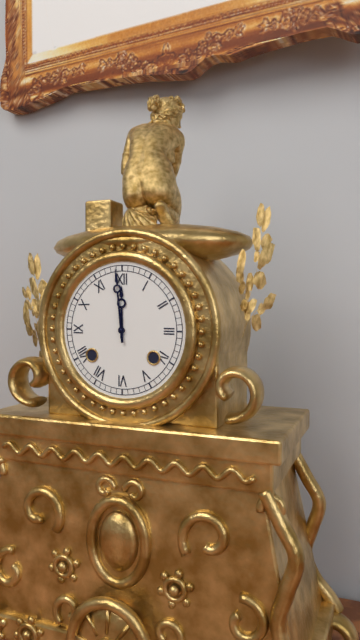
11.59
